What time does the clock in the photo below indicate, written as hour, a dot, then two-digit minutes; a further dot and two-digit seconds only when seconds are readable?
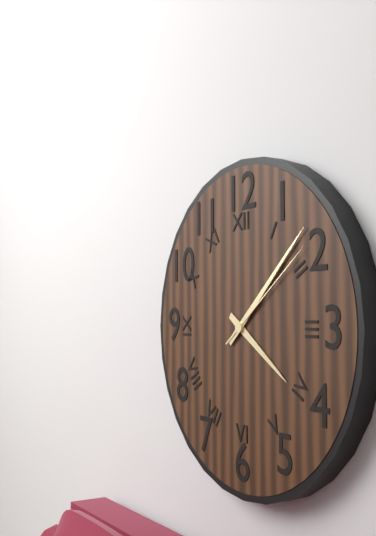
4.08.09
